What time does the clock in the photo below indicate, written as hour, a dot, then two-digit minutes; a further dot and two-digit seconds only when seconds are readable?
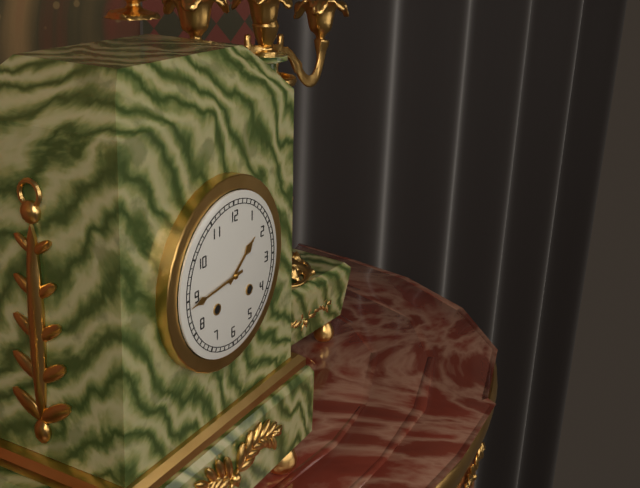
1.44
